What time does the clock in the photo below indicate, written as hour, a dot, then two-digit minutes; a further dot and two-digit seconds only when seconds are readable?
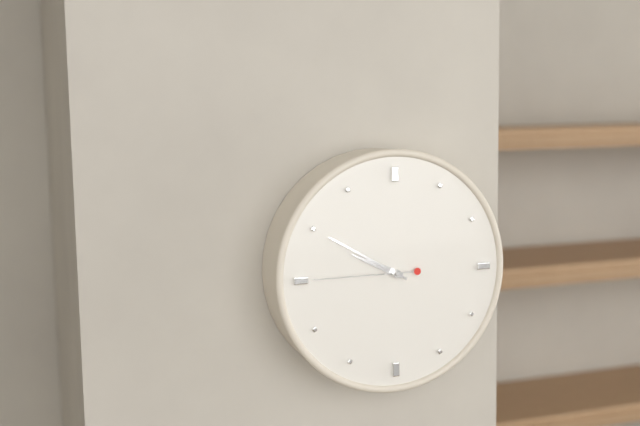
9.50.45
